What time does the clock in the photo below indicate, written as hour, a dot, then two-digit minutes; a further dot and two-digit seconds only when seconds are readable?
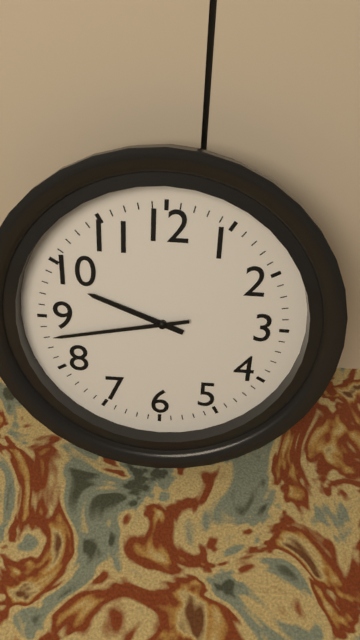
9.43
